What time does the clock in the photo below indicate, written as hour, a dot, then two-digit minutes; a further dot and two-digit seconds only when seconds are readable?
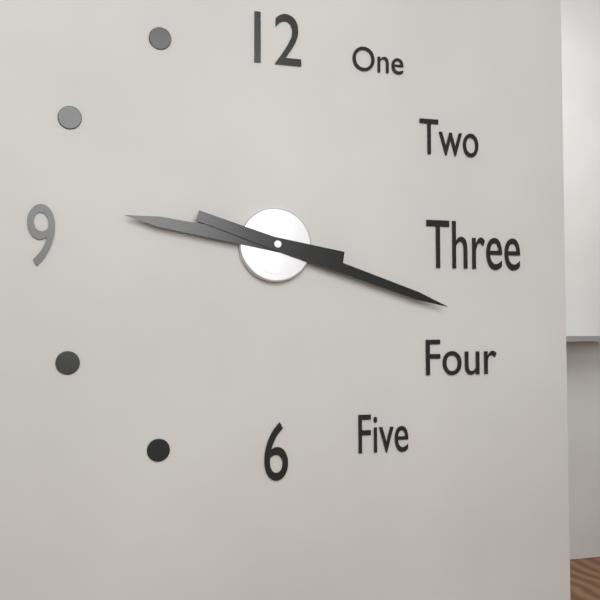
9.18
